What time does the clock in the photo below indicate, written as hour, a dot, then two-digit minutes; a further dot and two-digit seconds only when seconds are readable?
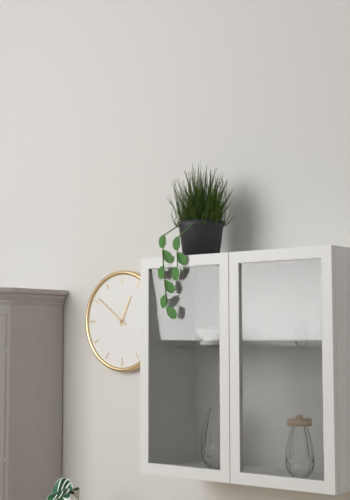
12.51
